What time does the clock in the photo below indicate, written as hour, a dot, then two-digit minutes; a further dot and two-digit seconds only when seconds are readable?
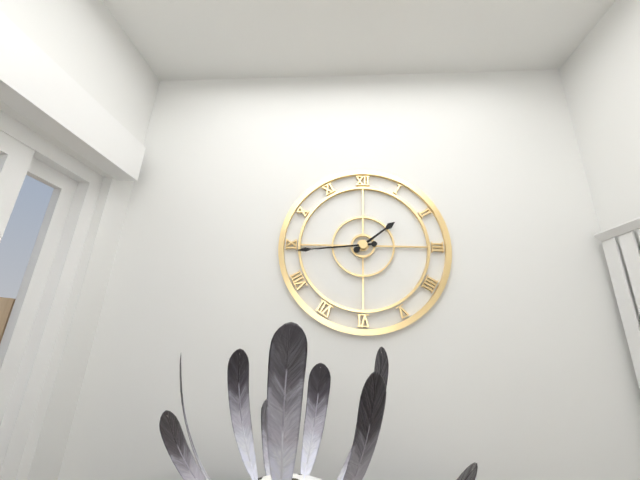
1.44
